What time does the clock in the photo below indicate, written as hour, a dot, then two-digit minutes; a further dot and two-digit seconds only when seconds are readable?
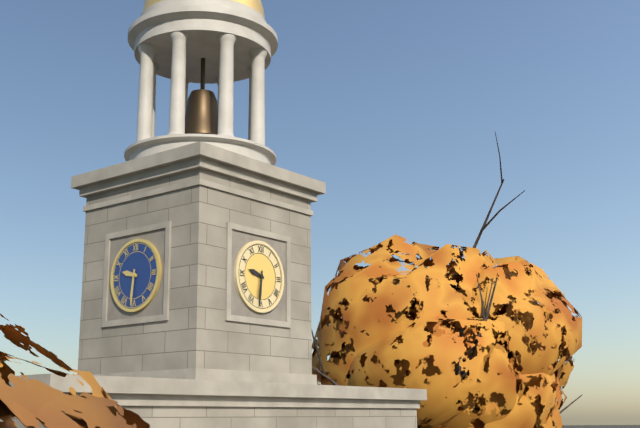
9.31
